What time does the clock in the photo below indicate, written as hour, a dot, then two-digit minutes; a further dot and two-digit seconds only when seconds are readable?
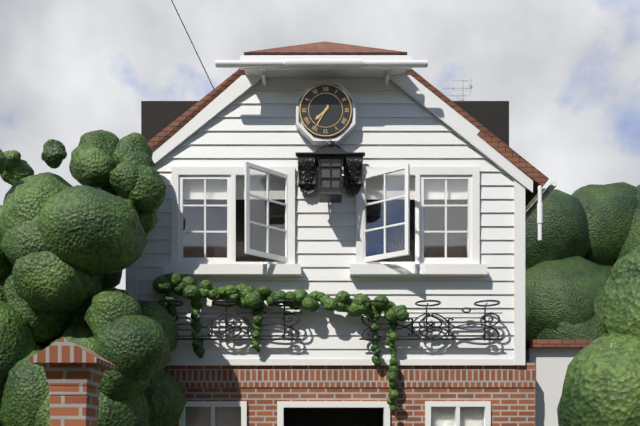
7.35
